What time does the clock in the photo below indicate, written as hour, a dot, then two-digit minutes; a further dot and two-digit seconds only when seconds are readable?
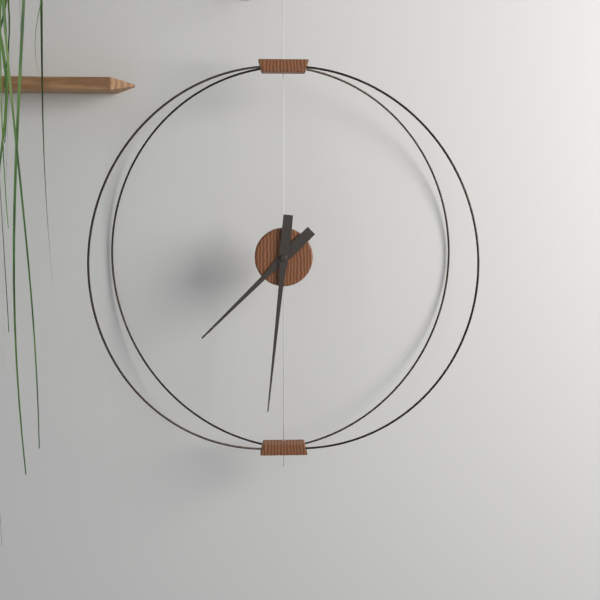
7.31
